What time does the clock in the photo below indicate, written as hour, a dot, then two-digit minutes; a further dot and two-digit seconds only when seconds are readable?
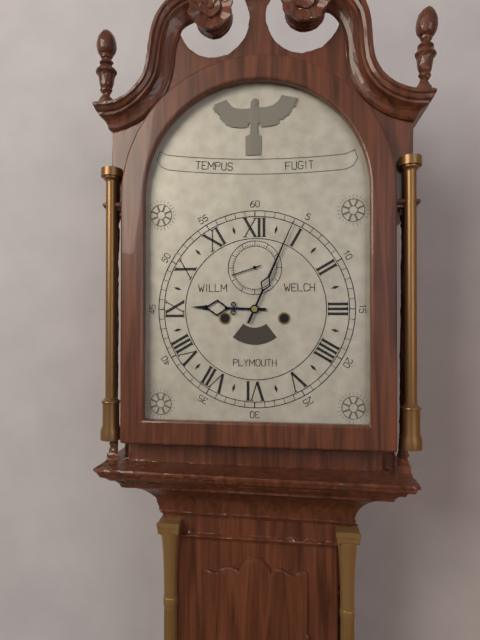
9.04
